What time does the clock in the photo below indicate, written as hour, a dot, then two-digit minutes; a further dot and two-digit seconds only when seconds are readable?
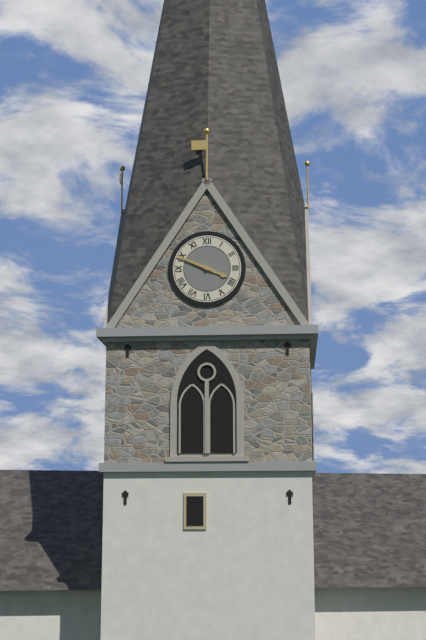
3.49
